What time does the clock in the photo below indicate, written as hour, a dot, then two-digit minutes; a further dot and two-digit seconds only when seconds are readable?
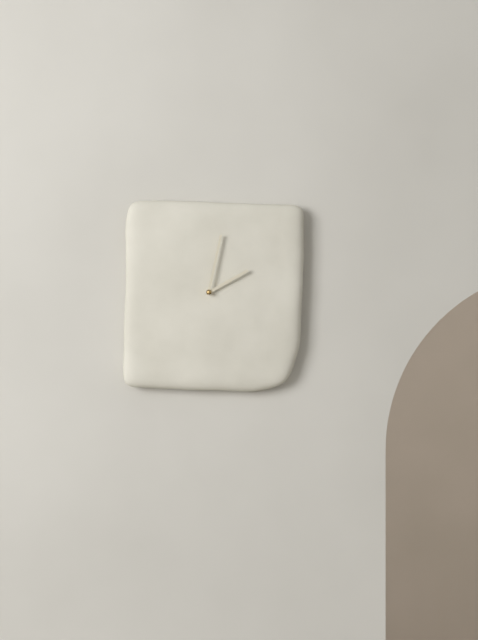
2.02
